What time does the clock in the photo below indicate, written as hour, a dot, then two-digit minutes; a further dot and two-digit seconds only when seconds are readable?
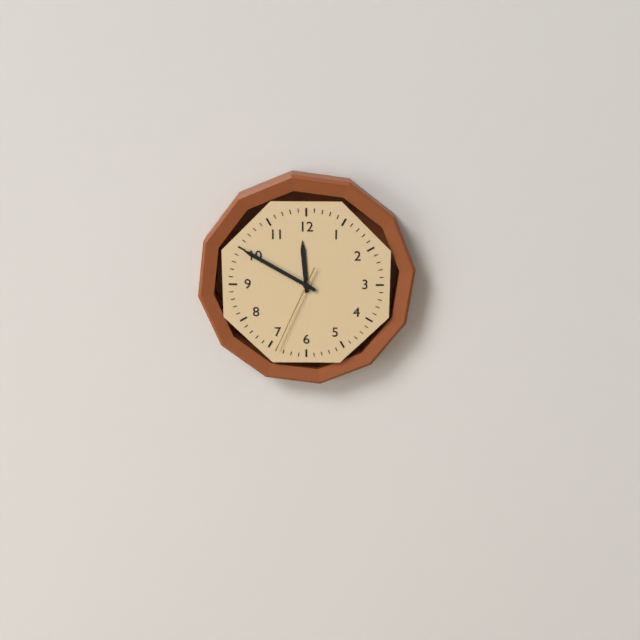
11.50.34
